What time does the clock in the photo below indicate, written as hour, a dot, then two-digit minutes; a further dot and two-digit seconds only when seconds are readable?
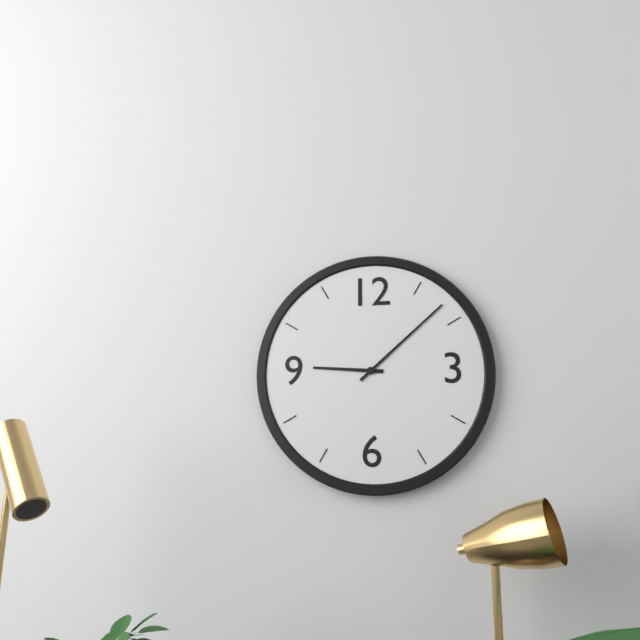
9.08
